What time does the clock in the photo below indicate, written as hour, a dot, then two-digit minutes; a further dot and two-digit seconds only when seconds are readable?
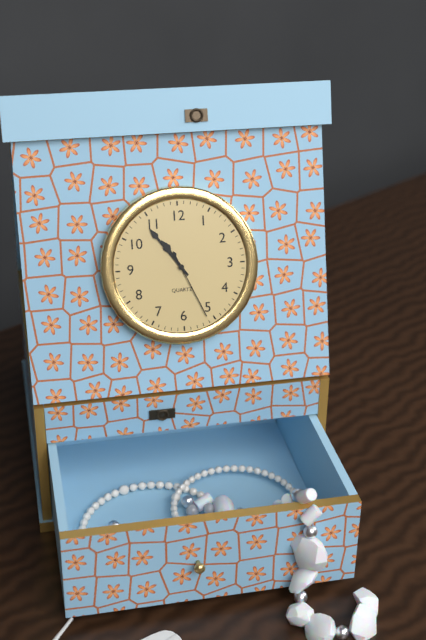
10.54.26
